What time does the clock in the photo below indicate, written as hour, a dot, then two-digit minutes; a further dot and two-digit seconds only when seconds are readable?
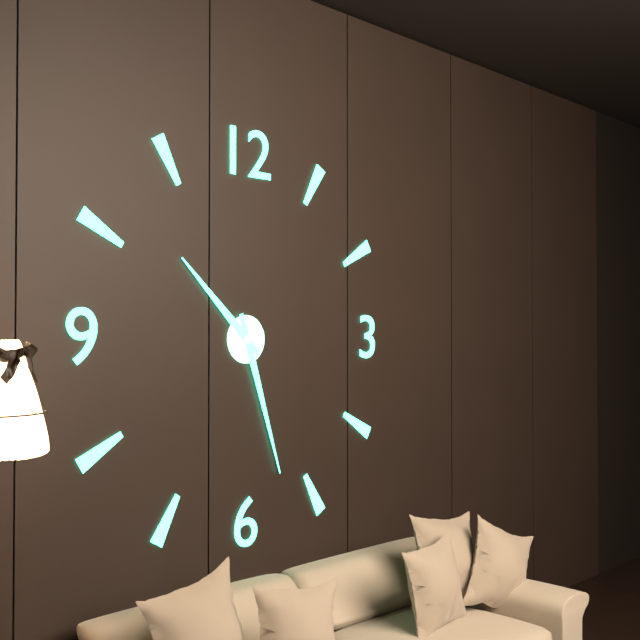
10.27
